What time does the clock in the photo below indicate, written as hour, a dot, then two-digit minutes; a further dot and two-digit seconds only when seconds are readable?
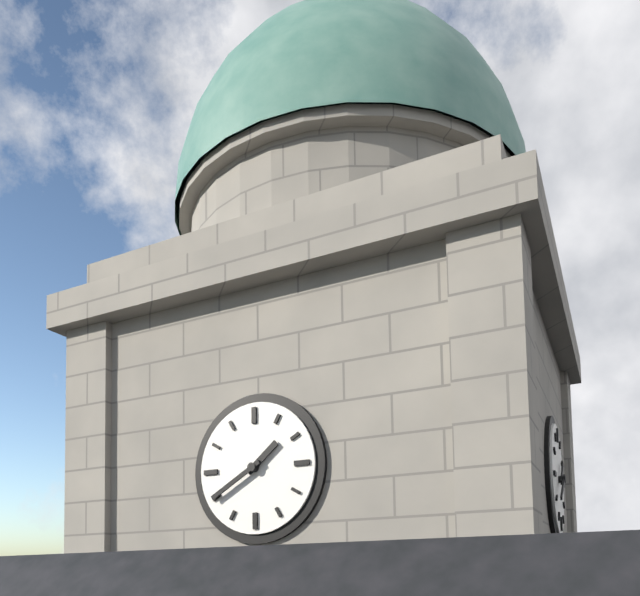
1.40
